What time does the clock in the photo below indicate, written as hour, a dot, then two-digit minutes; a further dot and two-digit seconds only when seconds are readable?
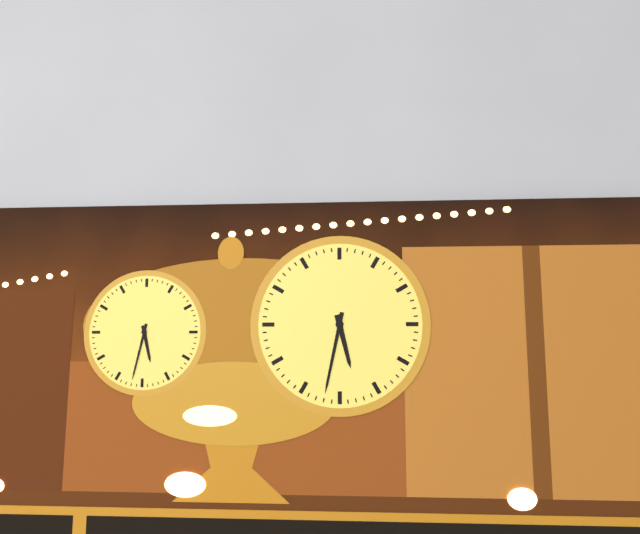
5.32
